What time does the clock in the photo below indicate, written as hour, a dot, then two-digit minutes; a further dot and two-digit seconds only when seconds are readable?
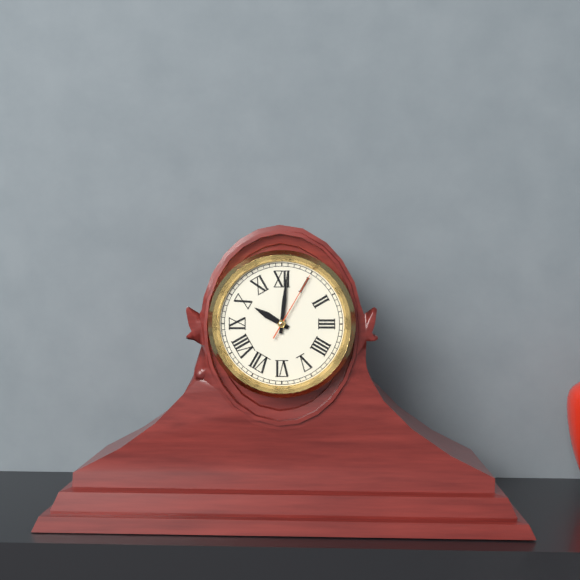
10.01.05
